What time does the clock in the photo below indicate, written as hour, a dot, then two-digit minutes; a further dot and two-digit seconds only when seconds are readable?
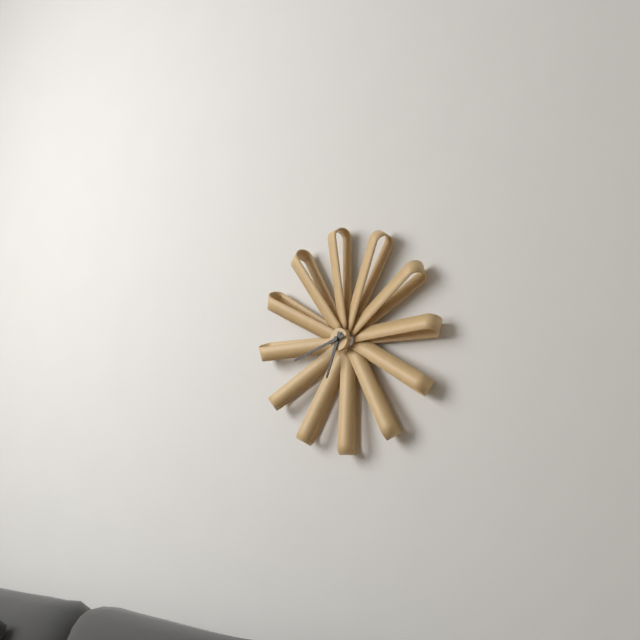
6.42
